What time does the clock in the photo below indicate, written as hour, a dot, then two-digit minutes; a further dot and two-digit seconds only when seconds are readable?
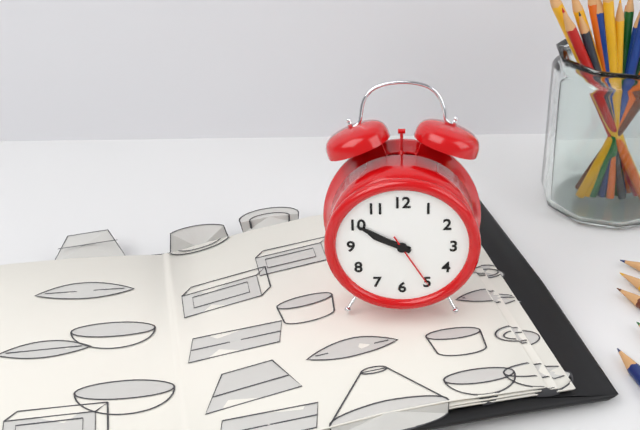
9.50.25
